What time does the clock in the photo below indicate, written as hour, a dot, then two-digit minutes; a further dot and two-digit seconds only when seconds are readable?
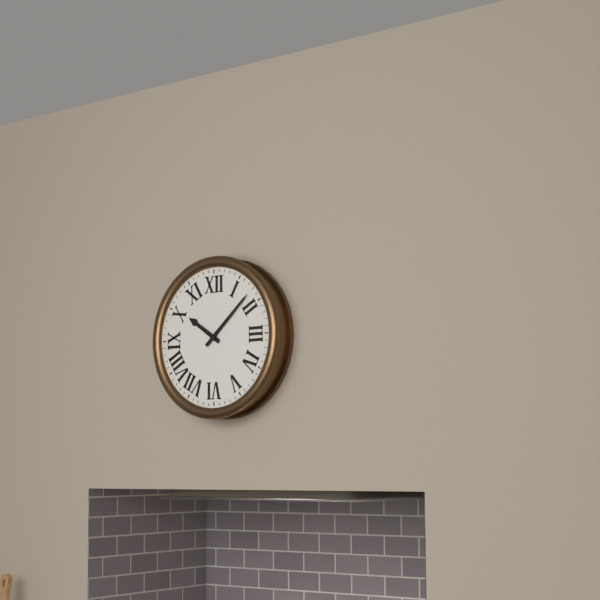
10.08
